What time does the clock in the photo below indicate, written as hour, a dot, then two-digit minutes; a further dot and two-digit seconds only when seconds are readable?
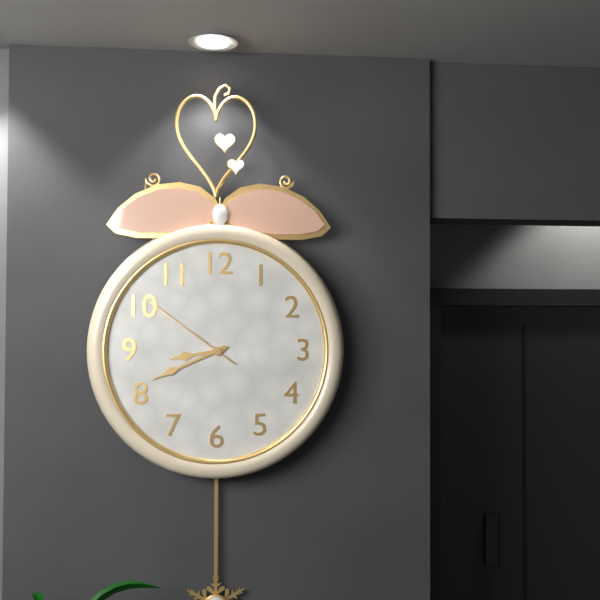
8.41.51
